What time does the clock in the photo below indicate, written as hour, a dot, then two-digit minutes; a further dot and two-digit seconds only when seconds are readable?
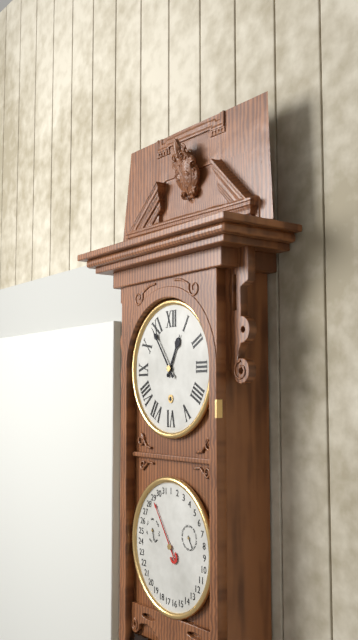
12.54
